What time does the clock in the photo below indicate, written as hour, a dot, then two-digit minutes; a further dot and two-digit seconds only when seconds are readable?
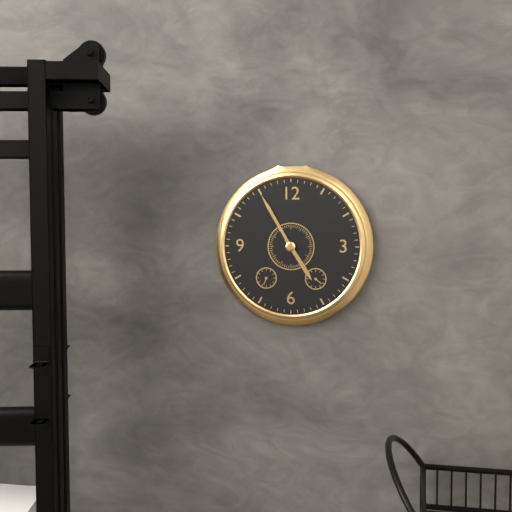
4.55
